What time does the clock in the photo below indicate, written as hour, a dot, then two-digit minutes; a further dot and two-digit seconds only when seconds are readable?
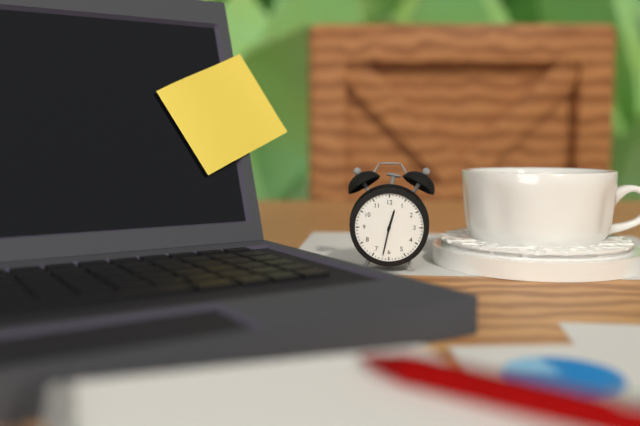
12.32
